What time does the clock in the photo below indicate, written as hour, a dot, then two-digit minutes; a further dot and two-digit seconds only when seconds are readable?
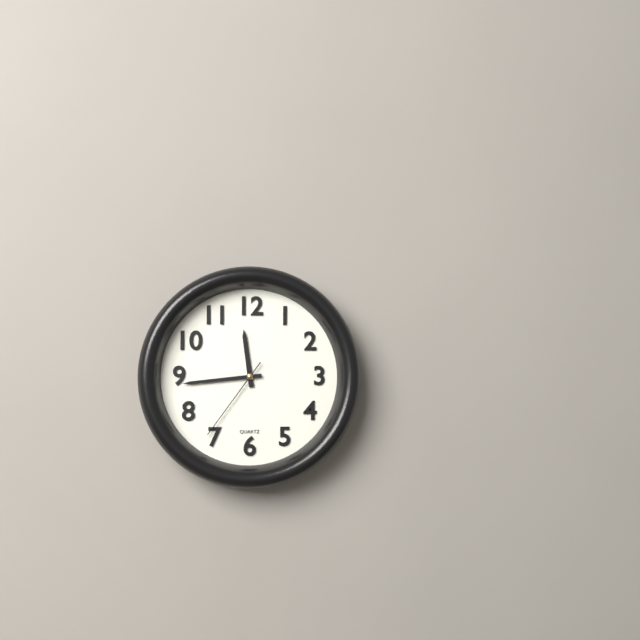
11.44.36
